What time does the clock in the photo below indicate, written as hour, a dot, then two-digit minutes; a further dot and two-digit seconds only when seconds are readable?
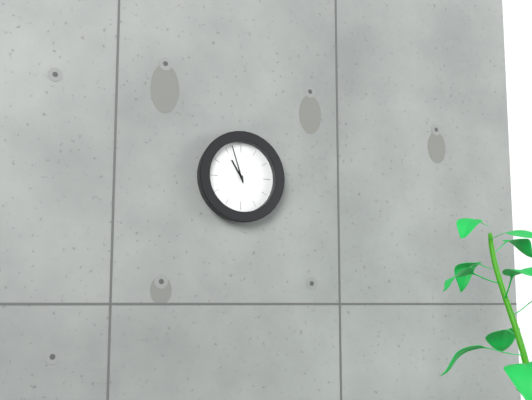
10.57
